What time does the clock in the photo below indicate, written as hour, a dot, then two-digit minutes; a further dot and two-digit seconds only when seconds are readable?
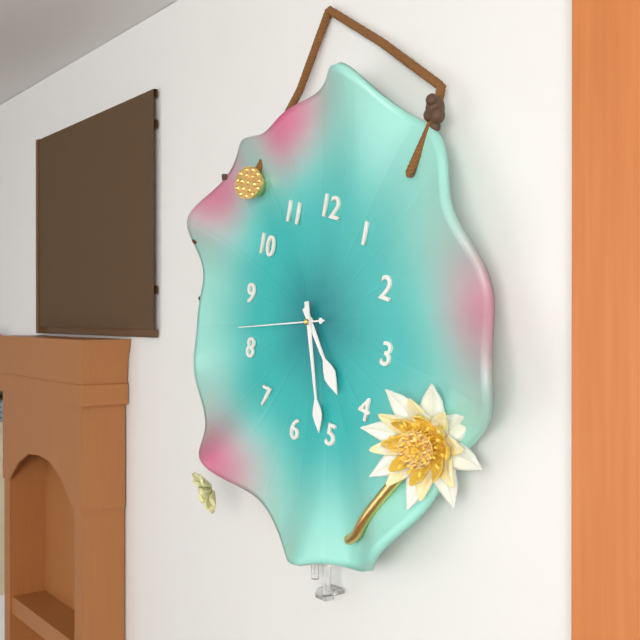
4.26.42
